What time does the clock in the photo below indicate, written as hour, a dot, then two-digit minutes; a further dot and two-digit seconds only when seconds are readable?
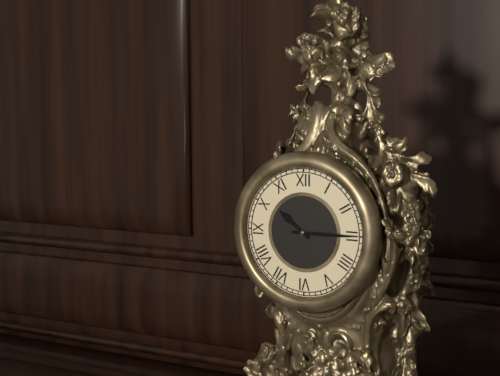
10.15
